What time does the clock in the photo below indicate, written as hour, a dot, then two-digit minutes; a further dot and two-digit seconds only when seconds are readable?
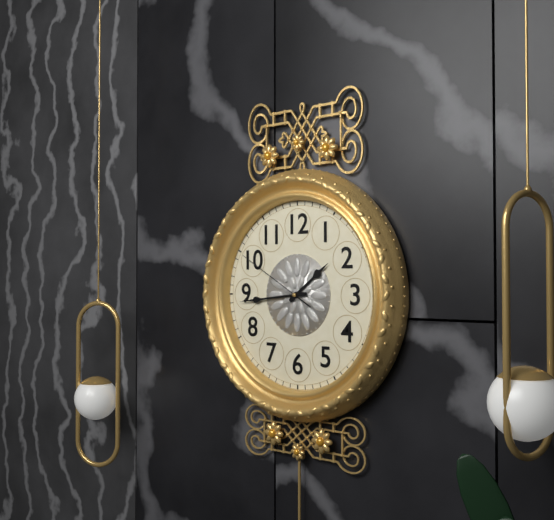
1.44.50
